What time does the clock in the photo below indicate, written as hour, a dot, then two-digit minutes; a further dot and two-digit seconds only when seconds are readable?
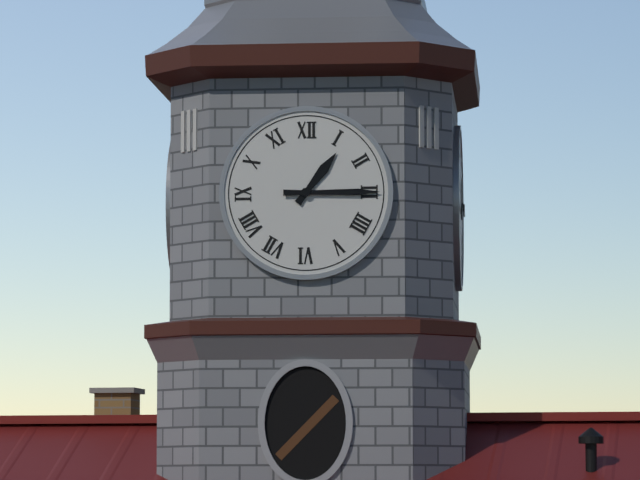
1.15
